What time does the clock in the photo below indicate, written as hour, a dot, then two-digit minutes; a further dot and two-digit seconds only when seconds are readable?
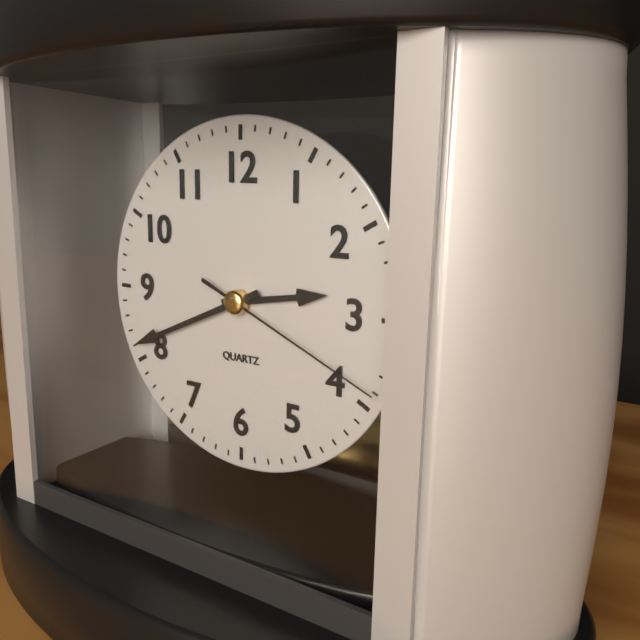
2.41.19
